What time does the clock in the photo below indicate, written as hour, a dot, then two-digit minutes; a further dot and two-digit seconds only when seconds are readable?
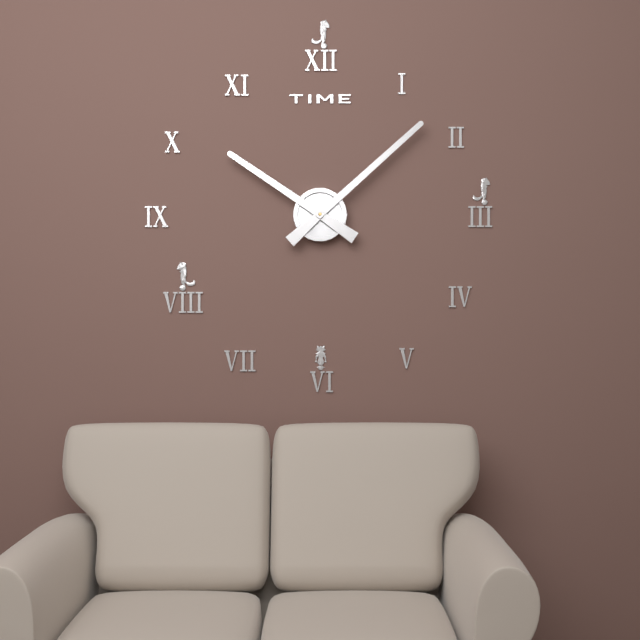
10.08
